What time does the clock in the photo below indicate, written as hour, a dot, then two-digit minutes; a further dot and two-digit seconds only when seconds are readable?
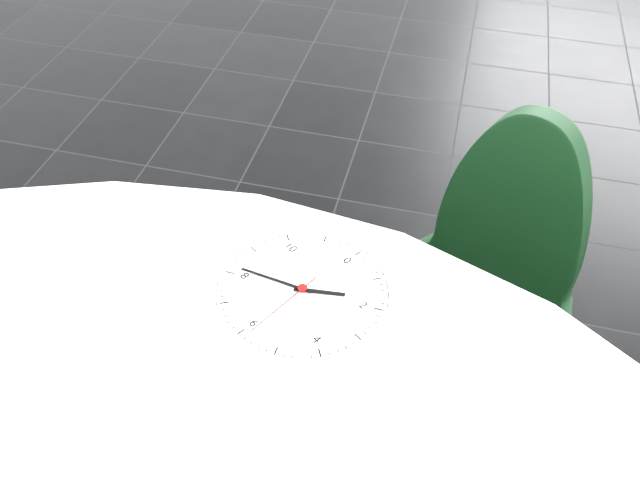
1.41.29
